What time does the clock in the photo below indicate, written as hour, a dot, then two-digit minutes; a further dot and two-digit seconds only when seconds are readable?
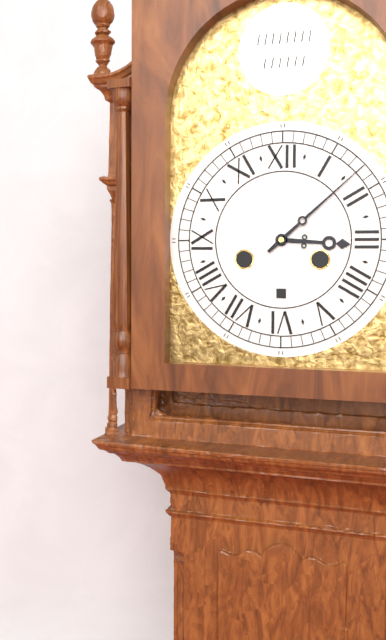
3.08
